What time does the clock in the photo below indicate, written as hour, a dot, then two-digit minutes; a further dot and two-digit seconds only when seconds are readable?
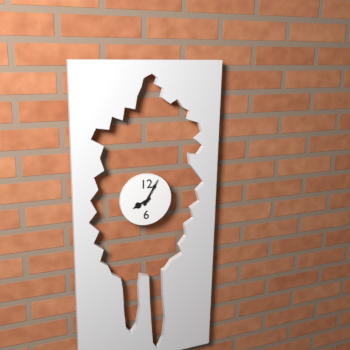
8.05
